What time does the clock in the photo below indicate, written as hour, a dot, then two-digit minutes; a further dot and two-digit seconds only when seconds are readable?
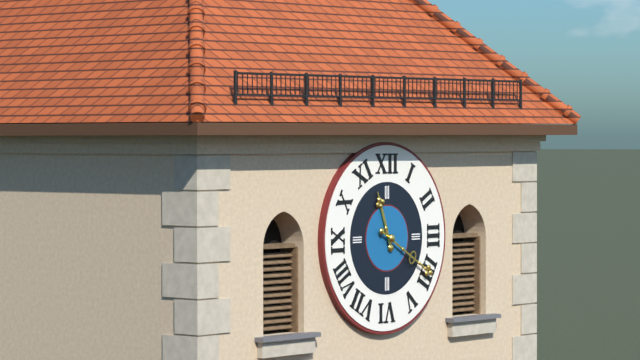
11.20
